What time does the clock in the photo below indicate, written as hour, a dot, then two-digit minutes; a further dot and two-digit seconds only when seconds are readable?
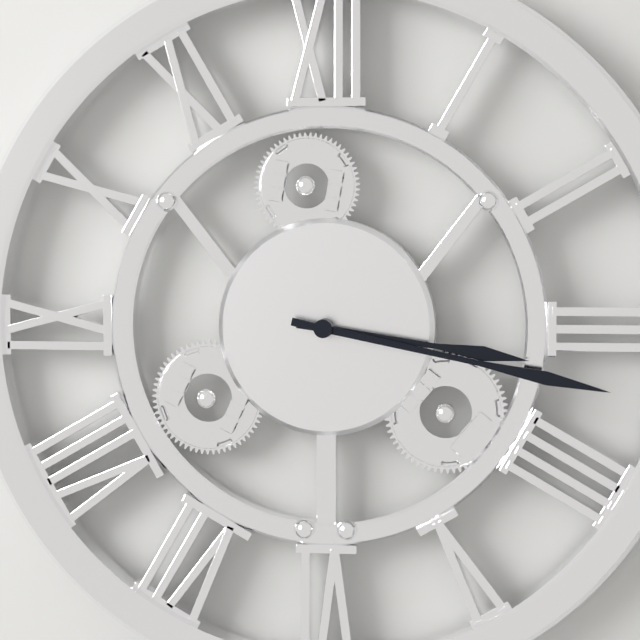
3.17
